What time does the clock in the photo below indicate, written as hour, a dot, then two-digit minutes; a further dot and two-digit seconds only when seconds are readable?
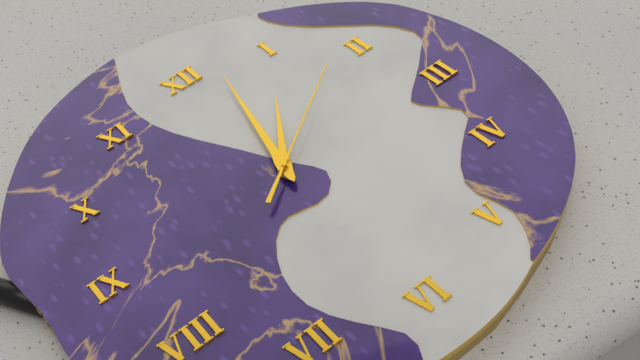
1.02.09
